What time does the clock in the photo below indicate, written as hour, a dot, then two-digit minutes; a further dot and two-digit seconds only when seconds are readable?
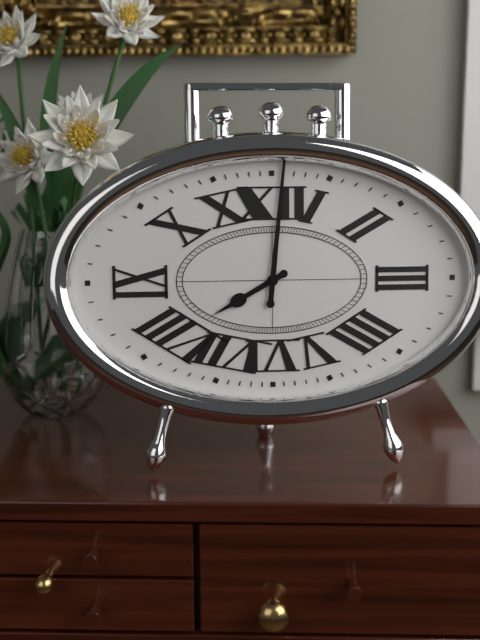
8.01
